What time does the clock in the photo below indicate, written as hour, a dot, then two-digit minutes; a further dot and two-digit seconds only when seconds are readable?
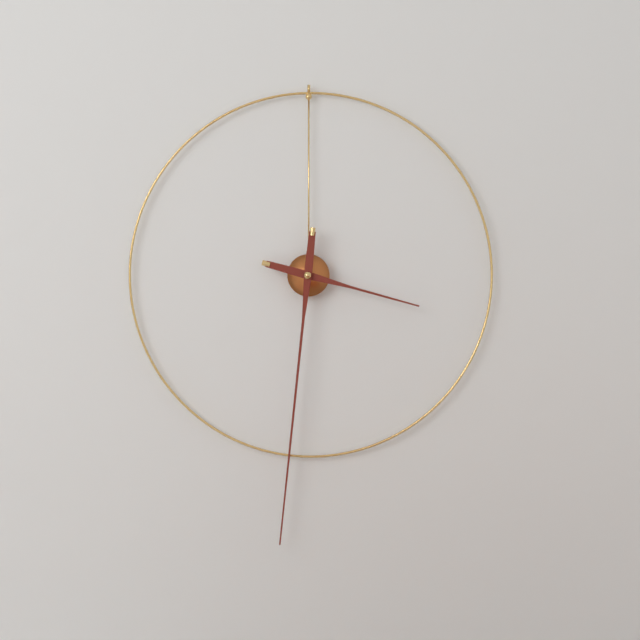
3.31
